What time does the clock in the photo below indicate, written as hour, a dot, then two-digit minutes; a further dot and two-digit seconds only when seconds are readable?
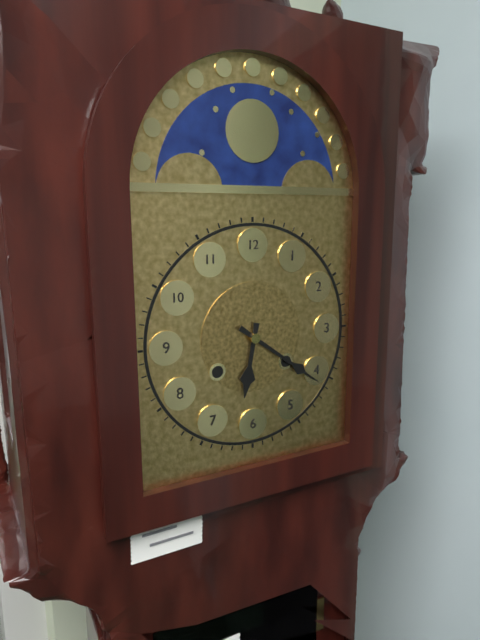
6.21
